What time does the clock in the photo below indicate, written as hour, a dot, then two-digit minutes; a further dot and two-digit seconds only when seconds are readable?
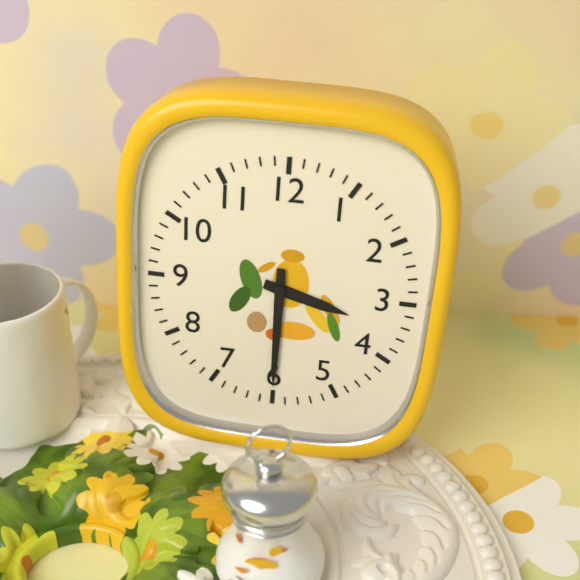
3.30
